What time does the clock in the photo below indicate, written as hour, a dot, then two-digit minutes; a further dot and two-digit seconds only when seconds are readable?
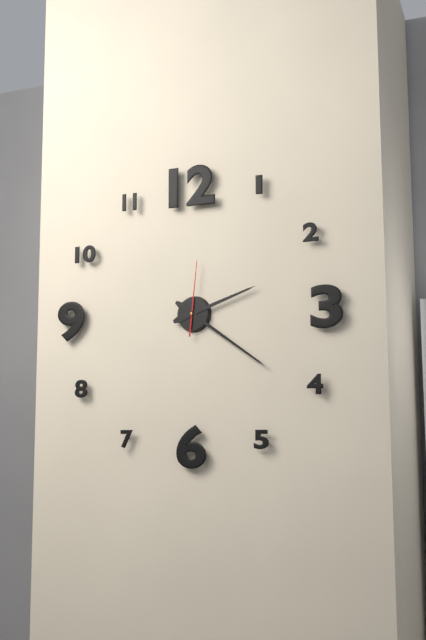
2.21.01
